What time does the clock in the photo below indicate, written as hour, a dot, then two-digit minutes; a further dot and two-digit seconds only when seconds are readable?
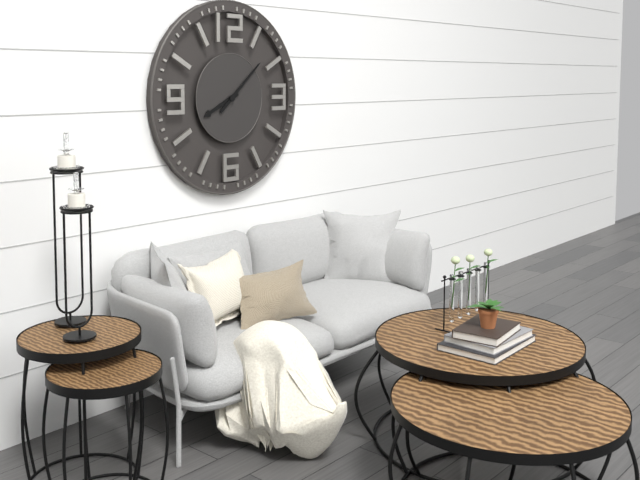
8.08
